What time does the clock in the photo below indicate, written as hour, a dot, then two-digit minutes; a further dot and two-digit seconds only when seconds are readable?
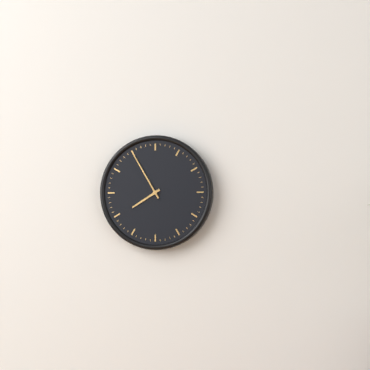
7.55
